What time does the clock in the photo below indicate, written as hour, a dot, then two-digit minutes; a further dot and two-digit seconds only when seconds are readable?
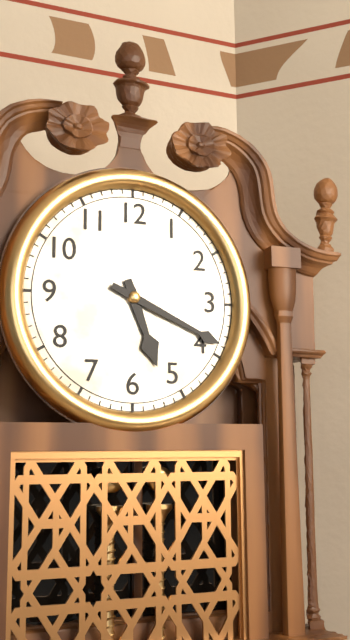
5.19
